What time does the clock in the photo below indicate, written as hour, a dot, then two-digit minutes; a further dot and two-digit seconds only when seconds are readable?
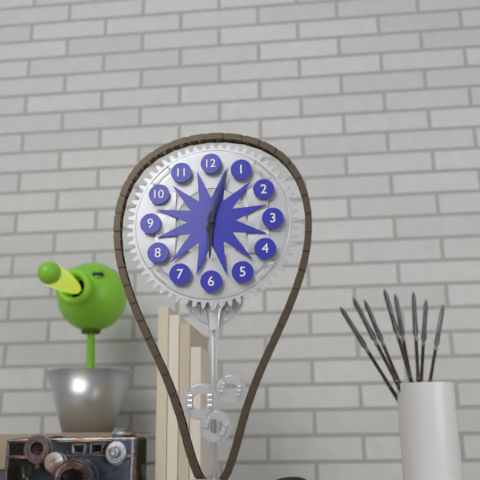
6.03
